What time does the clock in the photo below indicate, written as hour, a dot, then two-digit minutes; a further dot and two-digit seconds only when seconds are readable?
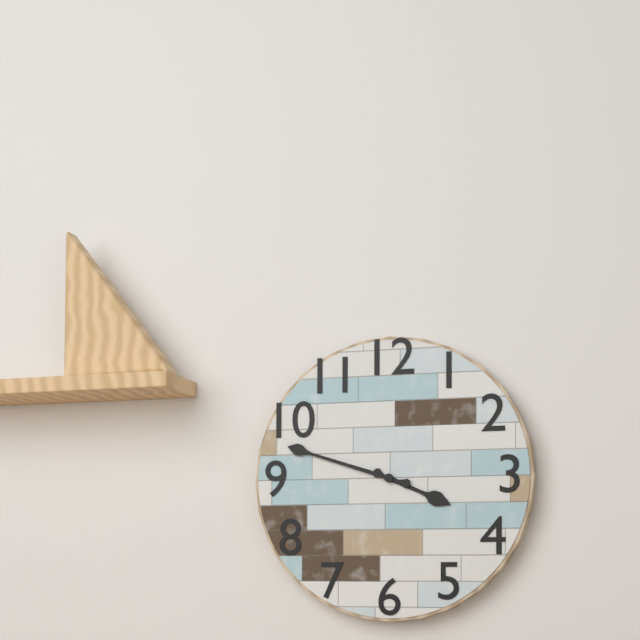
3.48
